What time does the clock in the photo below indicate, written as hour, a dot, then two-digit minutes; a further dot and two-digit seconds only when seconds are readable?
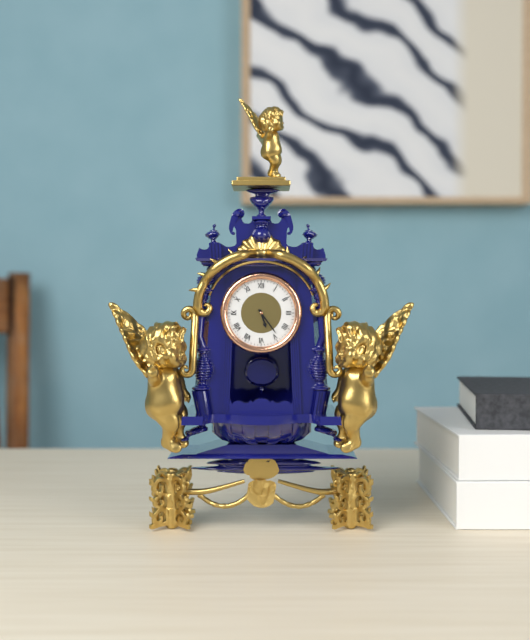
5.24
